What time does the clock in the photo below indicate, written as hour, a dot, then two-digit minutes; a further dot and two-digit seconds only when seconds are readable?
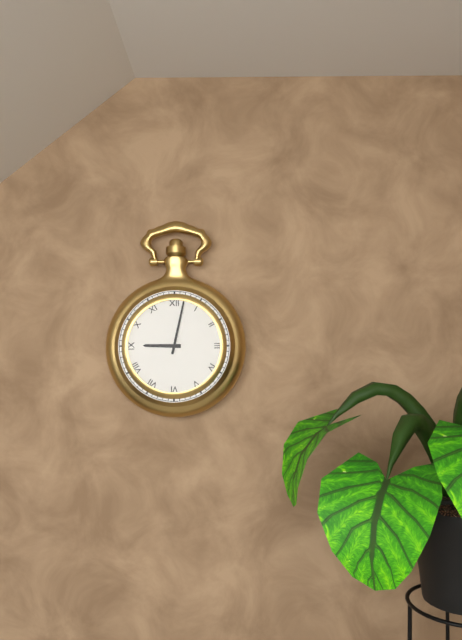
9.02
